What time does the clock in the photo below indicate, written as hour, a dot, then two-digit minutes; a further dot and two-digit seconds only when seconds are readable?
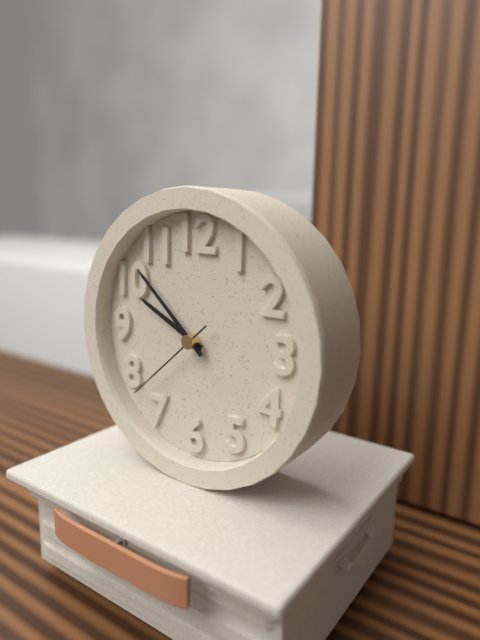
9.52.38
